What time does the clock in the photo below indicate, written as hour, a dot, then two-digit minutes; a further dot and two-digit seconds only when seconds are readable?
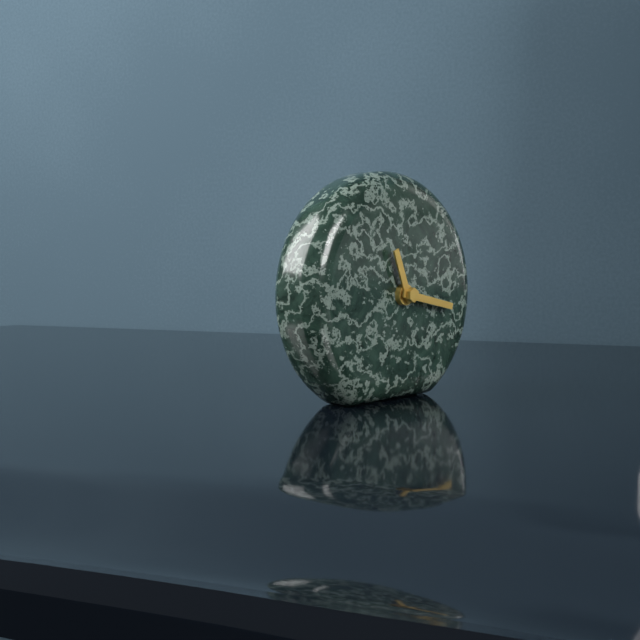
11.17
